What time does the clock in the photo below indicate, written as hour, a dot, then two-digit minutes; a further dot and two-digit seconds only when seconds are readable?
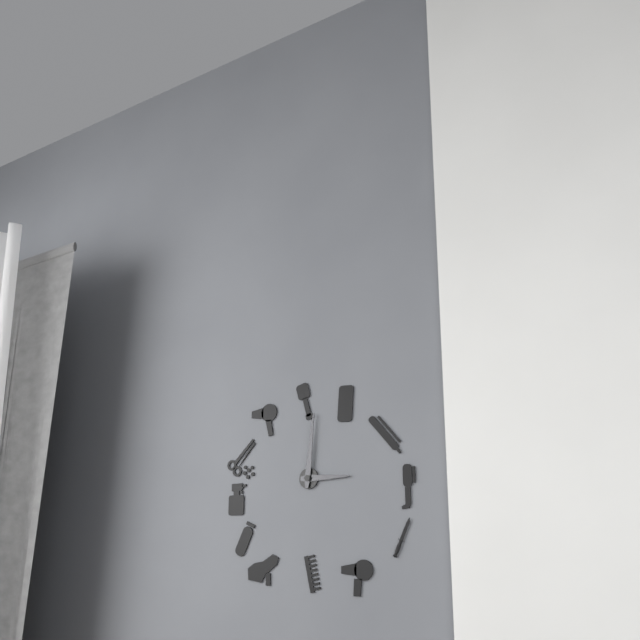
3.01
